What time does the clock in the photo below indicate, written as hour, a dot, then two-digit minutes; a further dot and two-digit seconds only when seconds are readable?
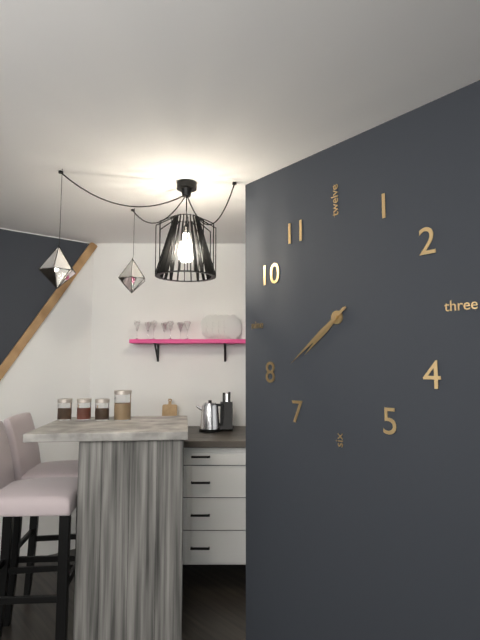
7.39
